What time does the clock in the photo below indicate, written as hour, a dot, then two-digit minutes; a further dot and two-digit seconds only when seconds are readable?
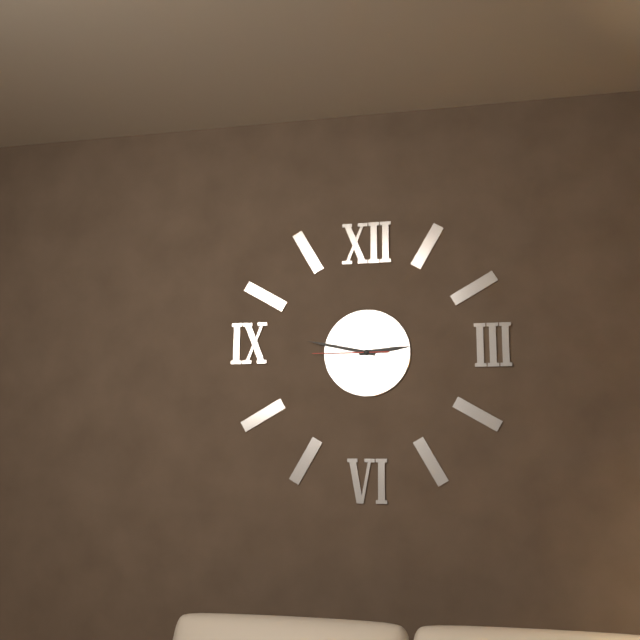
2.47.45
